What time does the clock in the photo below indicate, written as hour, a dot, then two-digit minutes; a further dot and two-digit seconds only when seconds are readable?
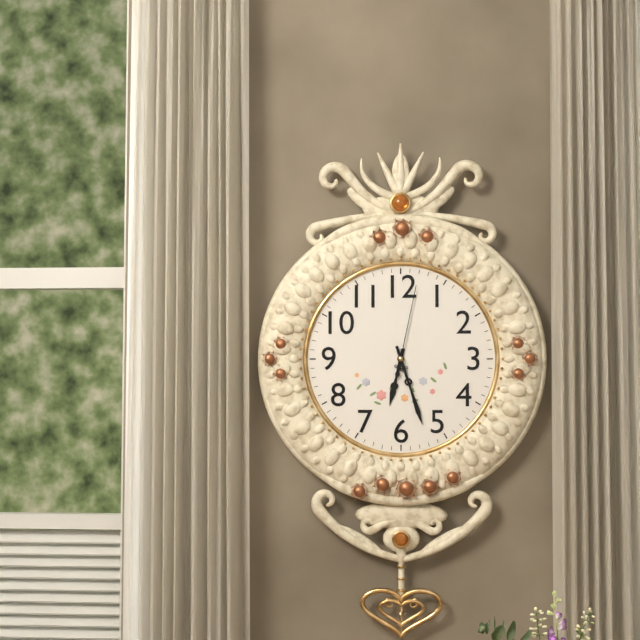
6.27.02
